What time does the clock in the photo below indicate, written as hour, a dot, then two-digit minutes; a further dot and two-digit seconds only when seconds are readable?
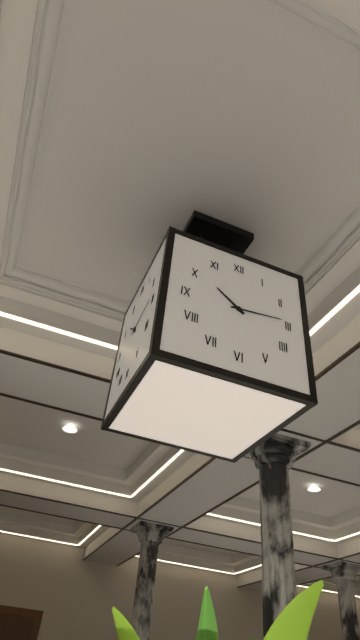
10.14
